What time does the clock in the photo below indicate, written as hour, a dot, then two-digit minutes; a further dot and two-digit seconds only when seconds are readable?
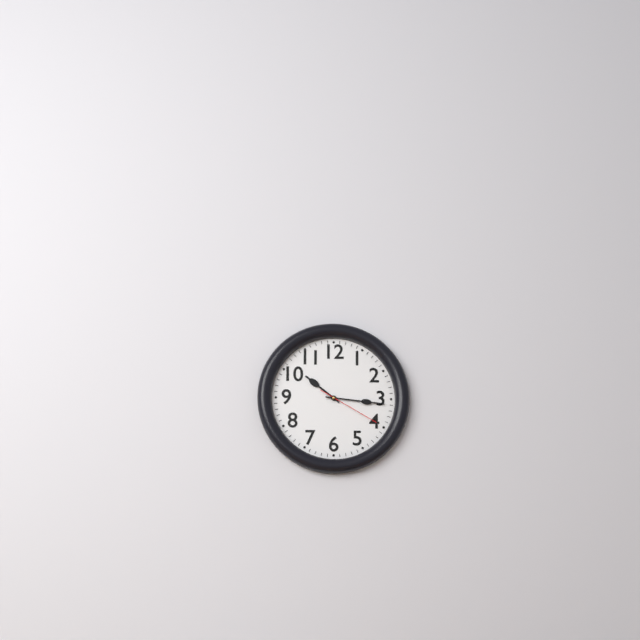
10.16.20
